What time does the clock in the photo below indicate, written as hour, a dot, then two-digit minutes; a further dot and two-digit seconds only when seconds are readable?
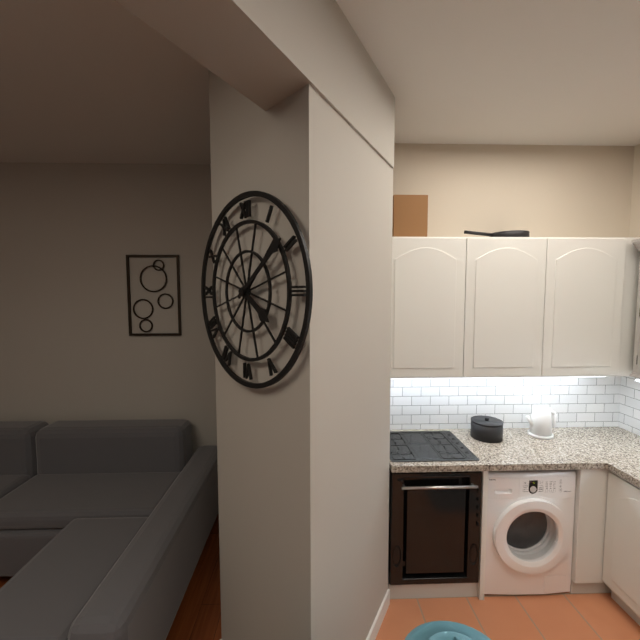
4.09
